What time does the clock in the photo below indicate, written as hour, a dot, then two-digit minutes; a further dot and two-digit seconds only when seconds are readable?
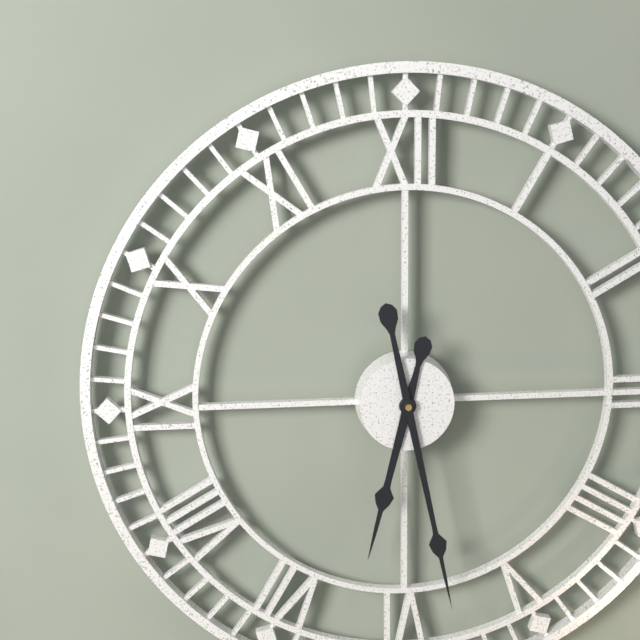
6.28
